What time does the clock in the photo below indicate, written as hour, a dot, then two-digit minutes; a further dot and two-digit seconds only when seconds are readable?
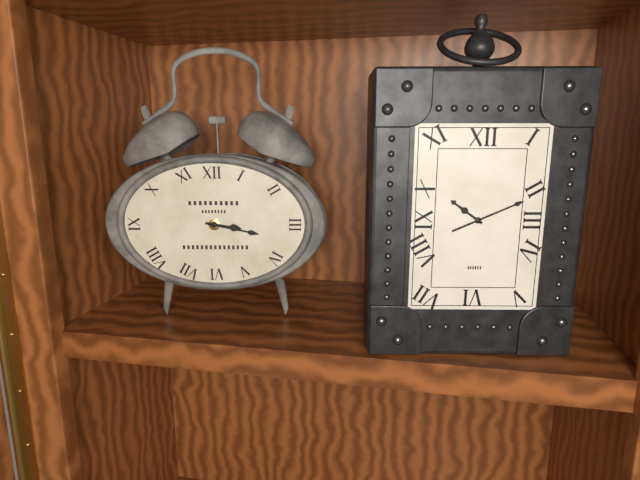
3.17
